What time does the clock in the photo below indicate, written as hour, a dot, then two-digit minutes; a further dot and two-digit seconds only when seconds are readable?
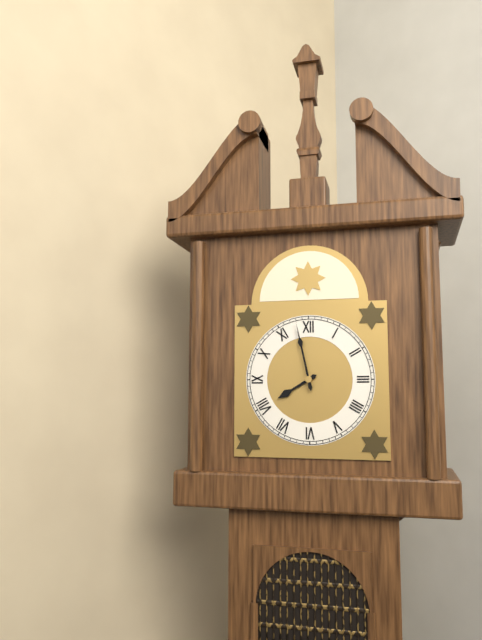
7.58
